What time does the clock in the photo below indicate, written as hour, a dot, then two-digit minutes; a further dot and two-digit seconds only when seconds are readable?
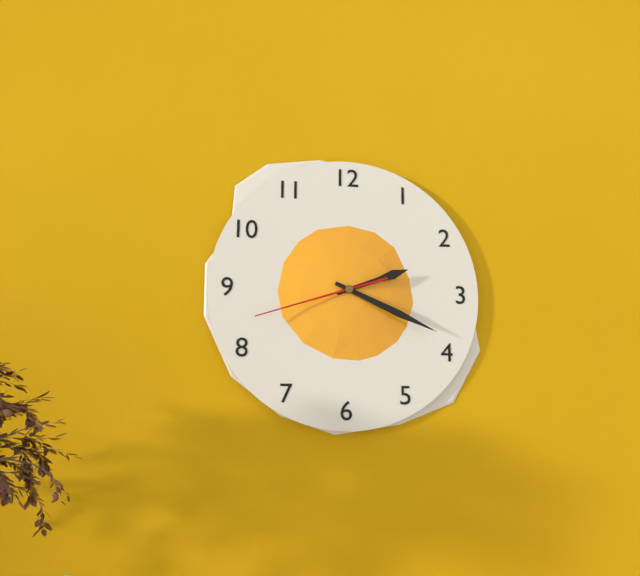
2.19.42
